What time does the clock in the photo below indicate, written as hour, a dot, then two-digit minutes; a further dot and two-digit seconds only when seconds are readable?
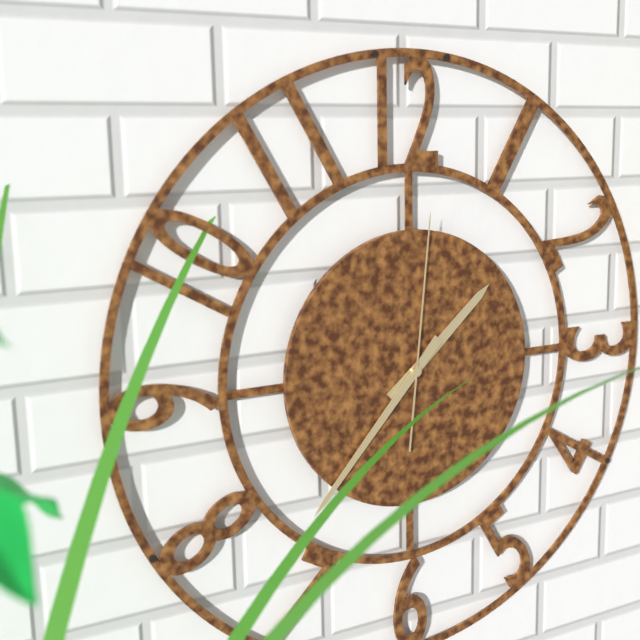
1.37.01
